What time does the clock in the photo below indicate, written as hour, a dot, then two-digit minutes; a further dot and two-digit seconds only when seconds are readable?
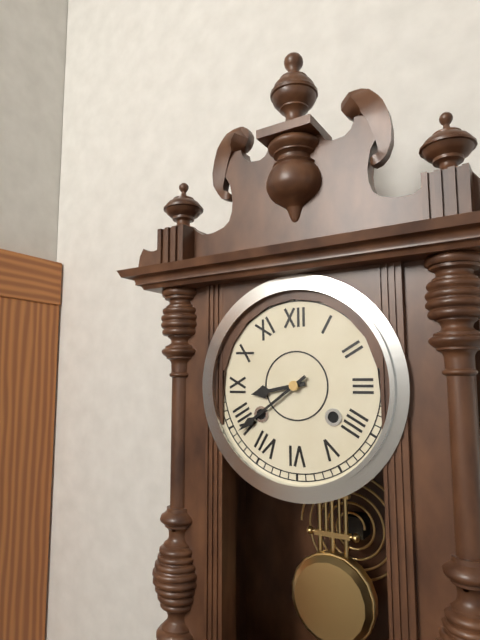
8.39
